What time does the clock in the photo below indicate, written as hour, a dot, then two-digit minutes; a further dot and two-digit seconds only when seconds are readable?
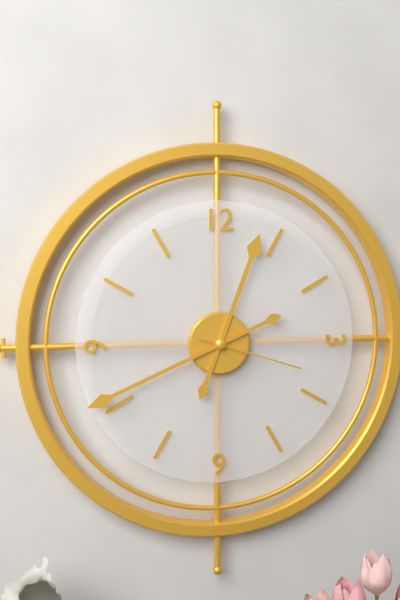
12.41.18
